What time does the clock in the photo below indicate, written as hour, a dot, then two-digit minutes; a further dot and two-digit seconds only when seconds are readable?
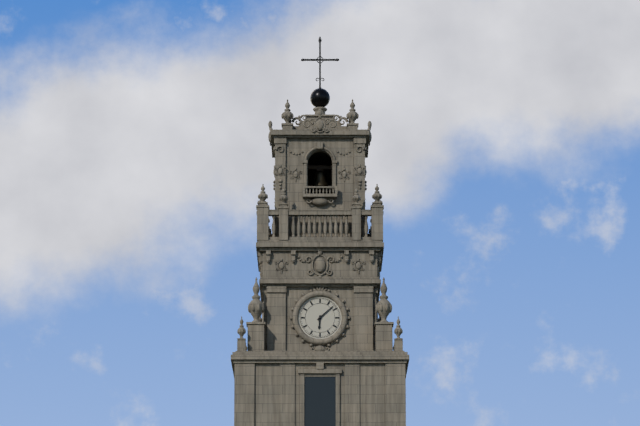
6.08
